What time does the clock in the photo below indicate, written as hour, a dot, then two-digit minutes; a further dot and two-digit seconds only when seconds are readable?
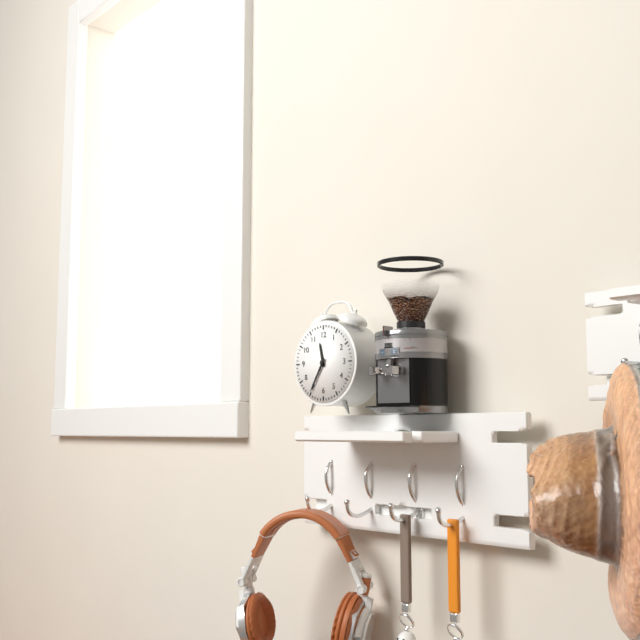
11.35
